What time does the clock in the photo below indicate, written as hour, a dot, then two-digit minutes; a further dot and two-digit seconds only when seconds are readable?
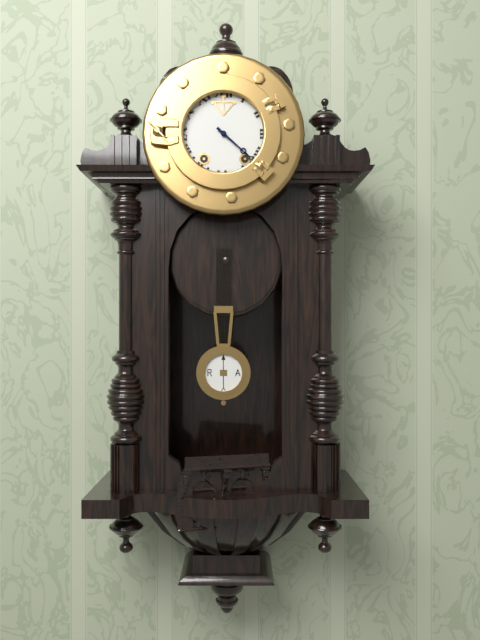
4.22
